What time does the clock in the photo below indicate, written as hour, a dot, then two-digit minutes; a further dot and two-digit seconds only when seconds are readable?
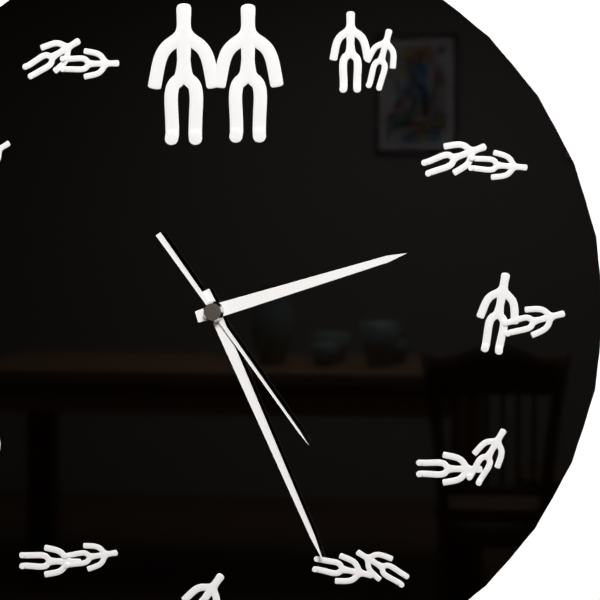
2.26.24
